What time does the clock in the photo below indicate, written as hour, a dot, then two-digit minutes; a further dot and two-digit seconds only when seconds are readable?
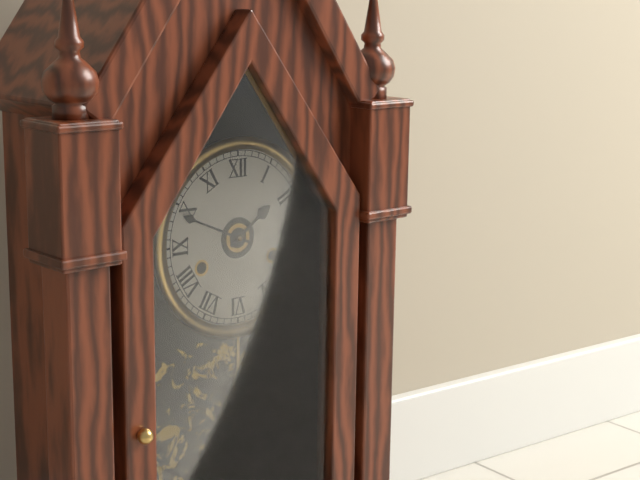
1.49
